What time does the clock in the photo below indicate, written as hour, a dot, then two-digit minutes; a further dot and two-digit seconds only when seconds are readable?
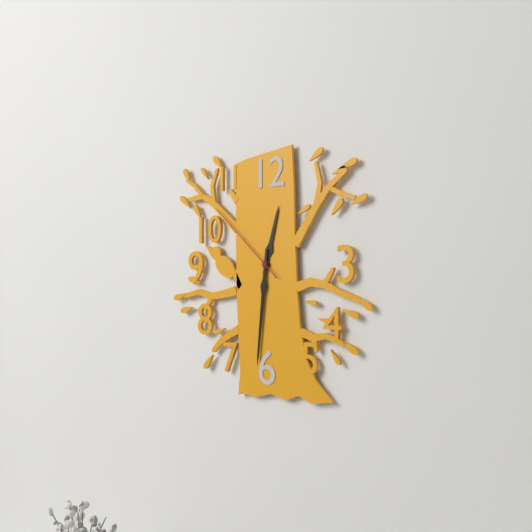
12.31.52
